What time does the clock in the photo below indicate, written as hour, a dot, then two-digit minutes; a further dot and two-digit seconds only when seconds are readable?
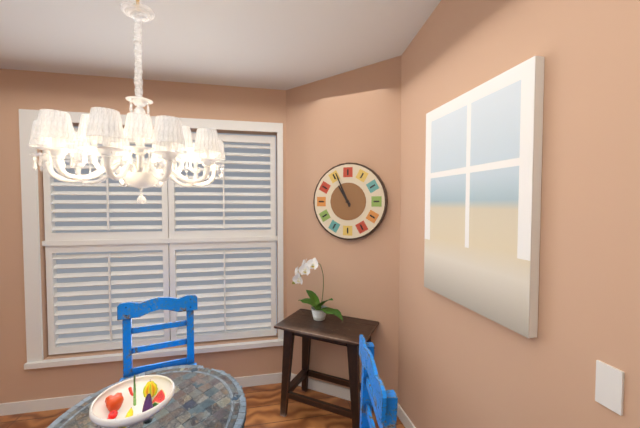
10.56
